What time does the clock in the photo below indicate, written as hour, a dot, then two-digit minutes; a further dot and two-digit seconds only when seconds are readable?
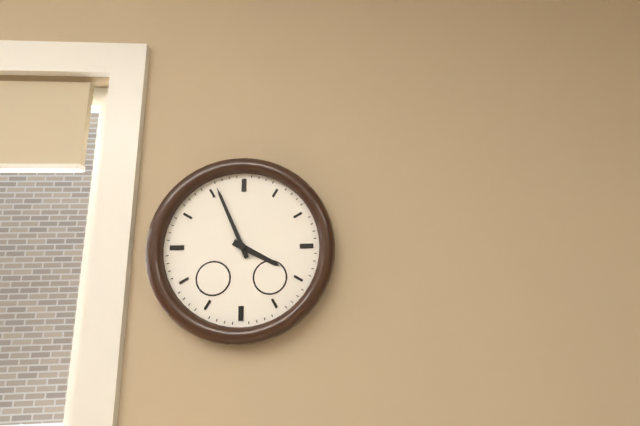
3.56
